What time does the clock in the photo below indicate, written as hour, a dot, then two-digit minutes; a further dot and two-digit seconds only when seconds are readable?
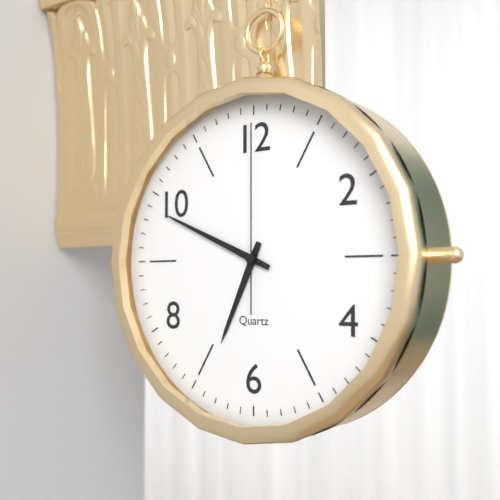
6.49.00
